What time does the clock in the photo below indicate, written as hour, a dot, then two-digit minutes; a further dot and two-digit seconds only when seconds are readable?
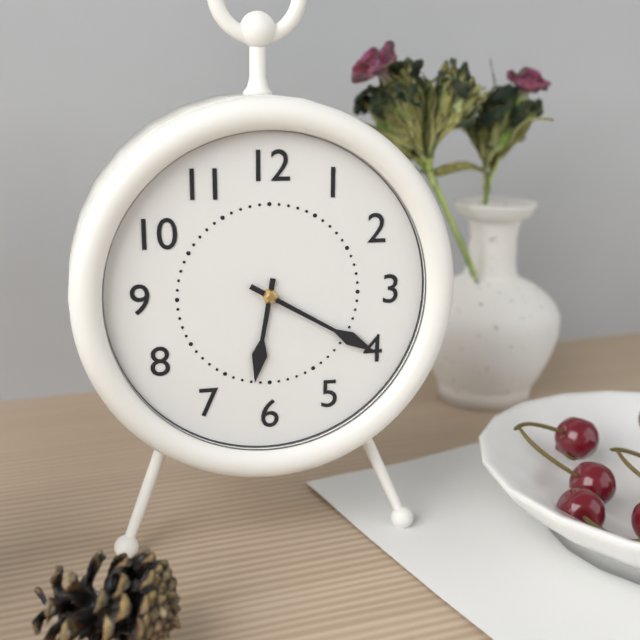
6.20
